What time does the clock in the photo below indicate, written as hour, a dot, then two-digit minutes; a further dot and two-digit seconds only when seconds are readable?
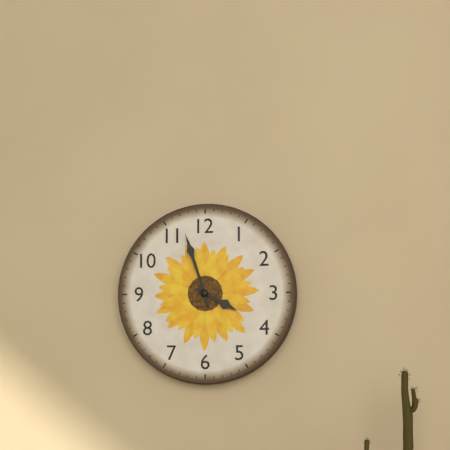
3.57
